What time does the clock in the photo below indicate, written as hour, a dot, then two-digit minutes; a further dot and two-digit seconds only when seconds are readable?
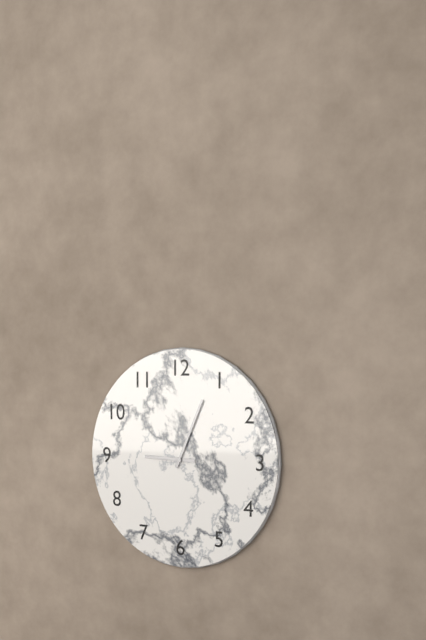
9.04
